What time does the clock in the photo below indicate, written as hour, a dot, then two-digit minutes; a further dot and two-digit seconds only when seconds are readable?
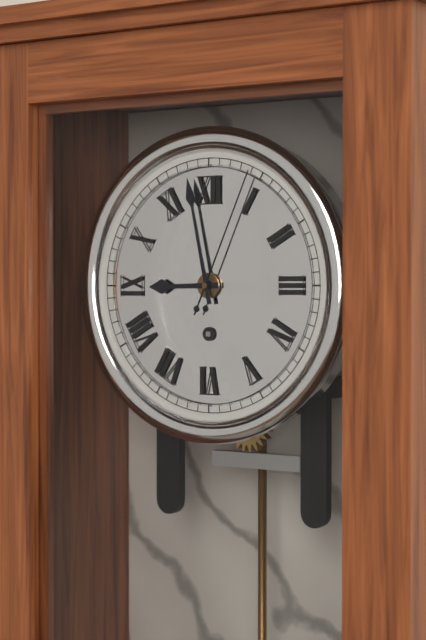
8.58.04
